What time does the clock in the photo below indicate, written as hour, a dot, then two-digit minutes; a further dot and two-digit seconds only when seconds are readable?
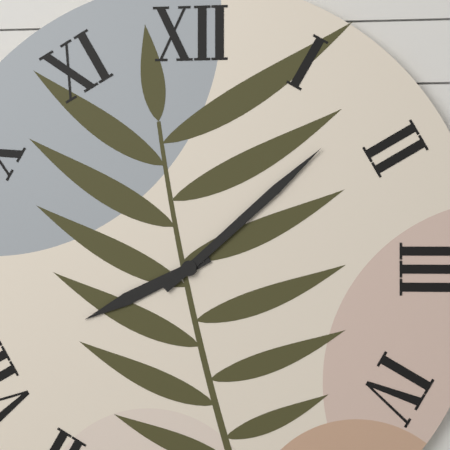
8.08
